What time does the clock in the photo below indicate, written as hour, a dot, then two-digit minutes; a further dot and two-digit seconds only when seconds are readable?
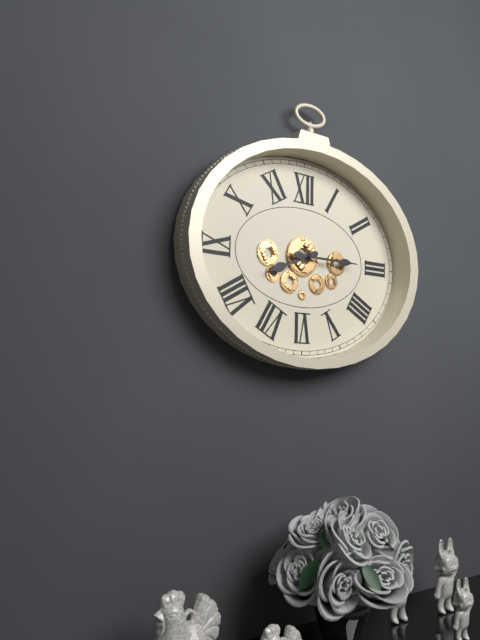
8.15
